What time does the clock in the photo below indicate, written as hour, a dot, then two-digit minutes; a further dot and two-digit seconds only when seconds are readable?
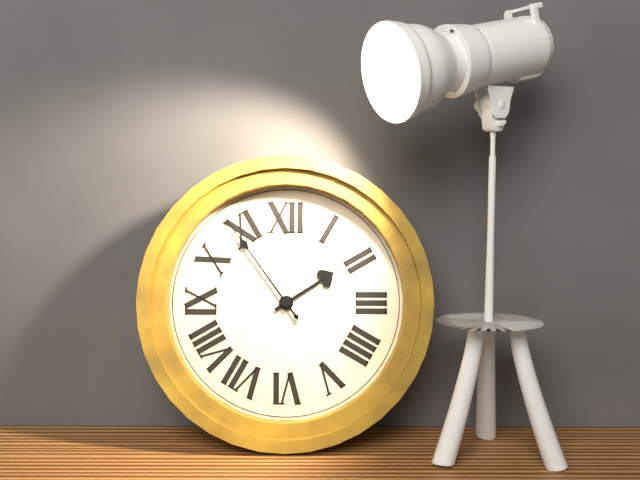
1.54
